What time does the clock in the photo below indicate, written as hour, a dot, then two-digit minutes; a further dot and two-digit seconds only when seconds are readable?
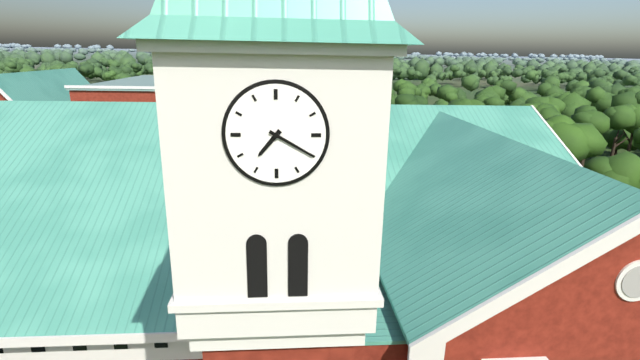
7.20
